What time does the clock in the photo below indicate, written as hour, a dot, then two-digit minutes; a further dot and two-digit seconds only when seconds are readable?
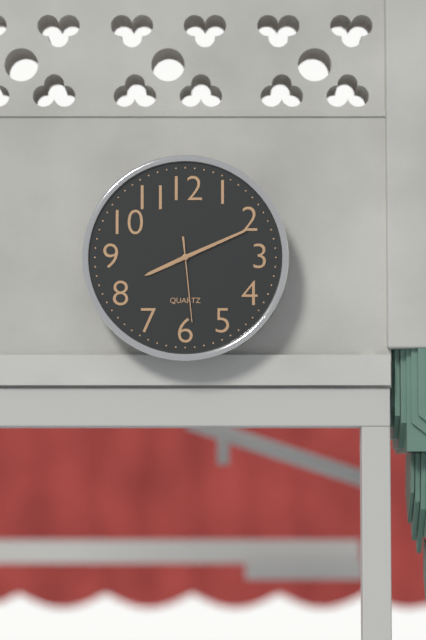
8.11.29
